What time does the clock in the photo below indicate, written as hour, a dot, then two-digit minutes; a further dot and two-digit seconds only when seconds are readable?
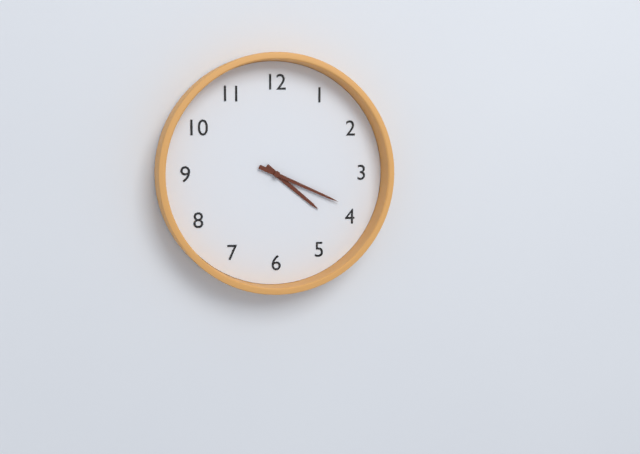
4.19
